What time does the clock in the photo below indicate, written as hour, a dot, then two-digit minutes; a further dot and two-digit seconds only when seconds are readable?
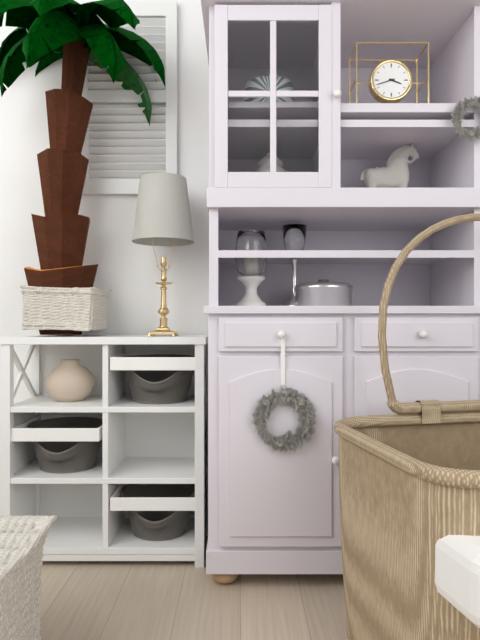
3.42
